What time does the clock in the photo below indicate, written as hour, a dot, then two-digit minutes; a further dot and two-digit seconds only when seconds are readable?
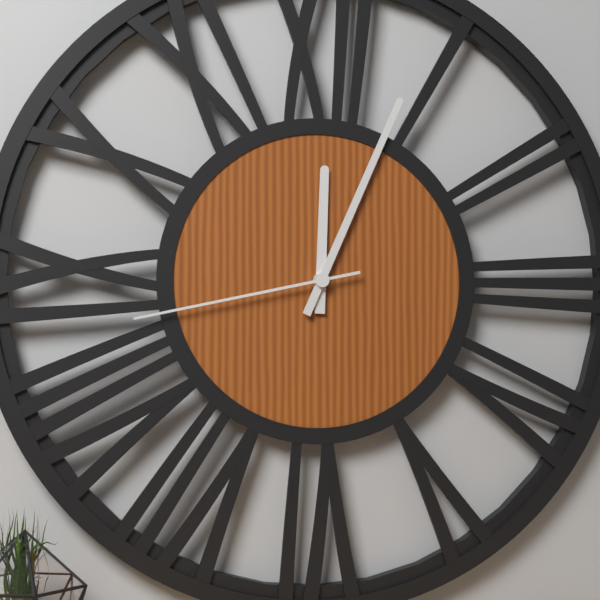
12.04.43
